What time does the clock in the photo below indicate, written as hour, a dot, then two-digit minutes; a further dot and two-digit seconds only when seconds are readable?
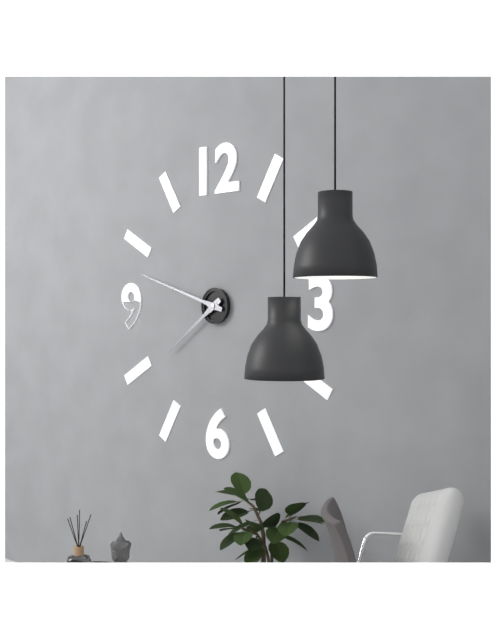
7.48
